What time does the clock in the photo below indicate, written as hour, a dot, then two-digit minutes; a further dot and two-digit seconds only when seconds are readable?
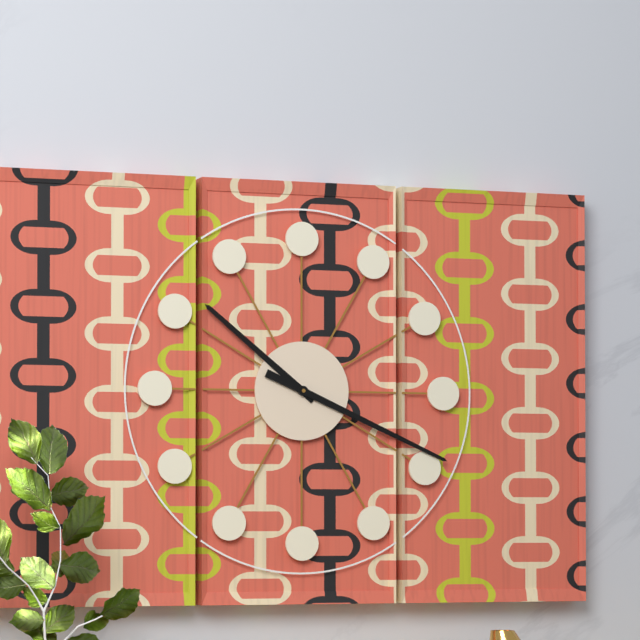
10.19
